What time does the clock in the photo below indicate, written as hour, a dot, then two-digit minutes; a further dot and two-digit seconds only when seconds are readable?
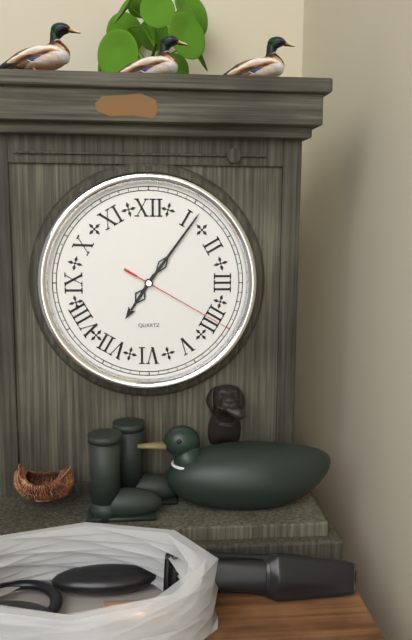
7.06.20
